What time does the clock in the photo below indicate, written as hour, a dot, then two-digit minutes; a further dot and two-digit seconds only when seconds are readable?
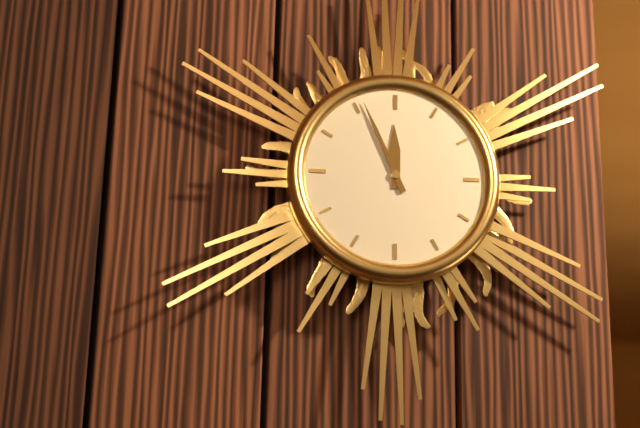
11.56
